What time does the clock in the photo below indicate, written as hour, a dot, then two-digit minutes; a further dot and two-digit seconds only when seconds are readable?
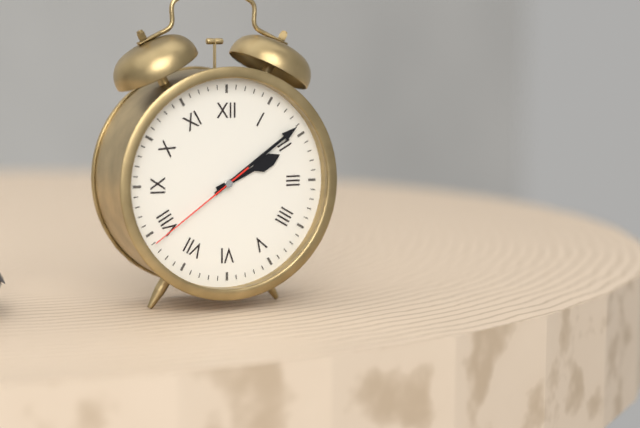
2.09.39
